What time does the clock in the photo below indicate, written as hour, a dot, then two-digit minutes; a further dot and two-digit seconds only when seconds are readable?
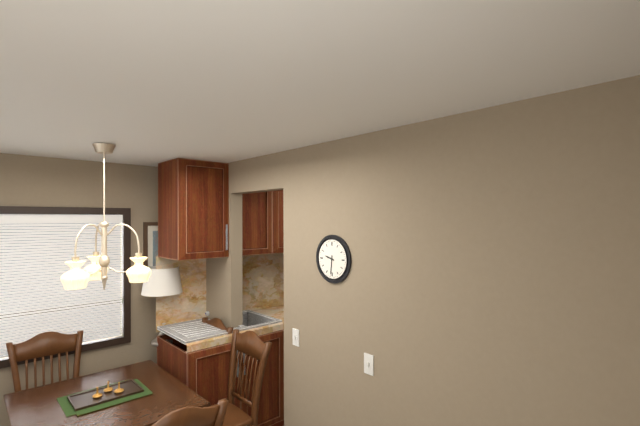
9.31
